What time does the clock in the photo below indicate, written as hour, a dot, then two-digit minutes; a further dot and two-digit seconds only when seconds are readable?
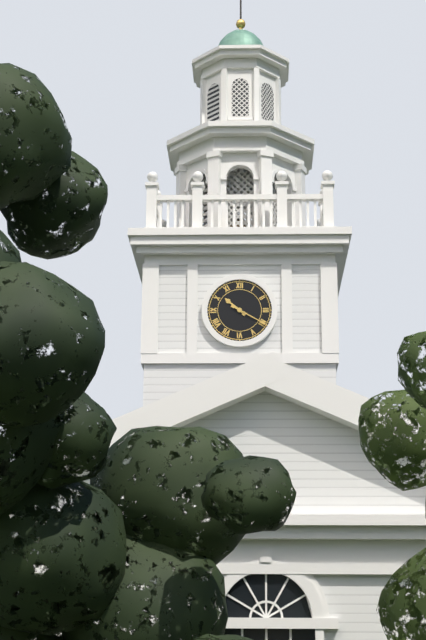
10.20
